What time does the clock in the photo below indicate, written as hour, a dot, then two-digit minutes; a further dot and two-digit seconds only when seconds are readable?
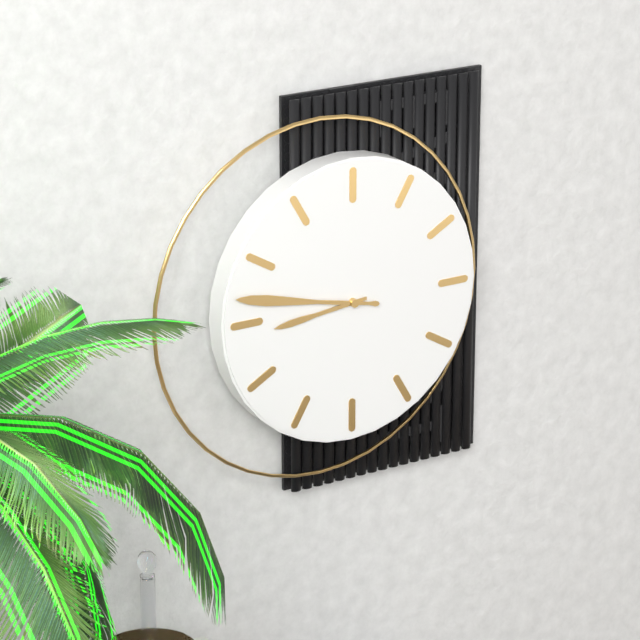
8.47
